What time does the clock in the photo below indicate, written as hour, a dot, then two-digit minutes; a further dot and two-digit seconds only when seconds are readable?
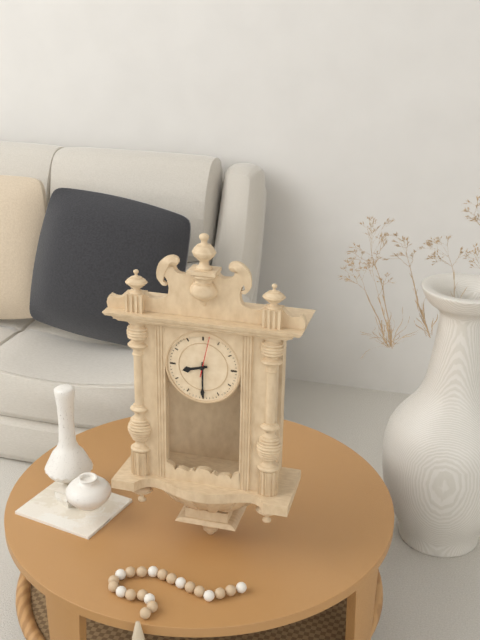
8.30
